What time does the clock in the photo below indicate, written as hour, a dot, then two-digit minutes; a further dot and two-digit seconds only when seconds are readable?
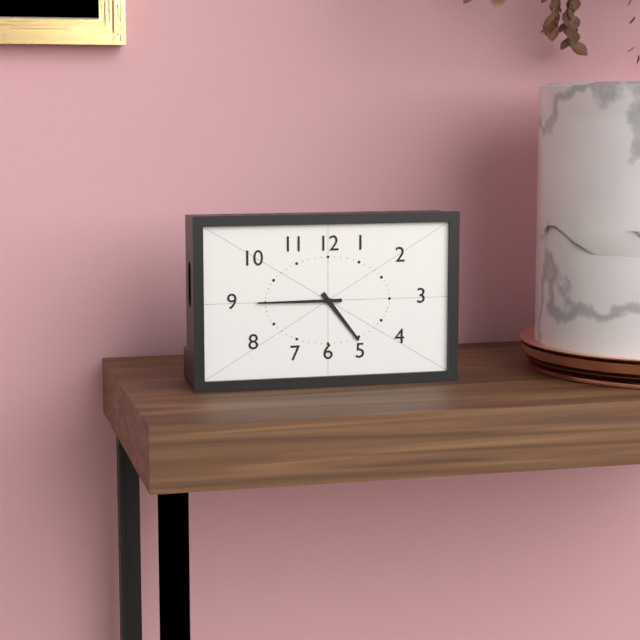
4.45
